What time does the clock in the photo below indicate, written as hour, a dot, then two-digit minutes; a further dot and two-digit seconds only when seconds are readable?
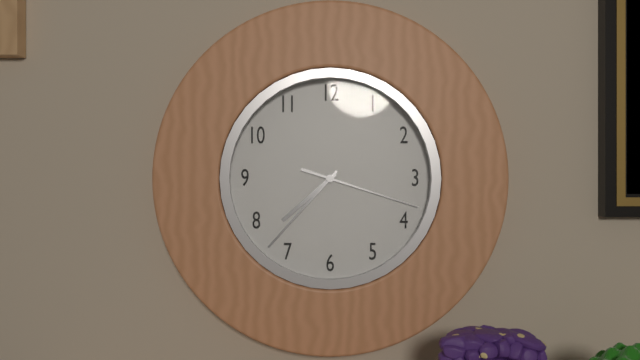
7.37.18
